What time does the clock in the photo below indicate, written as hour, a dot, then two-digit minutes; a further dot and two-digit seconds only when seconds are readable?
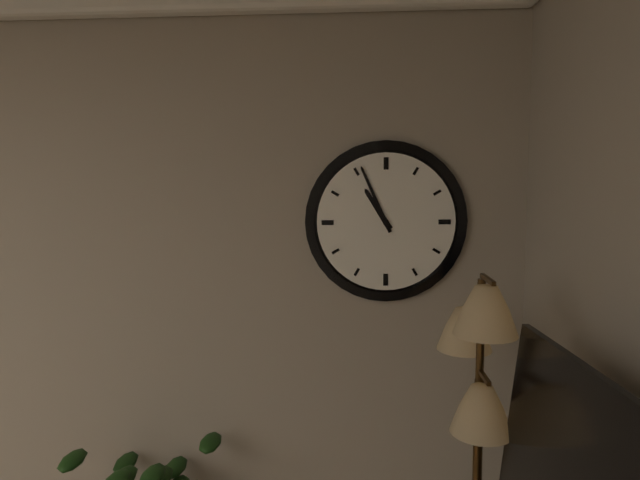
10.56
